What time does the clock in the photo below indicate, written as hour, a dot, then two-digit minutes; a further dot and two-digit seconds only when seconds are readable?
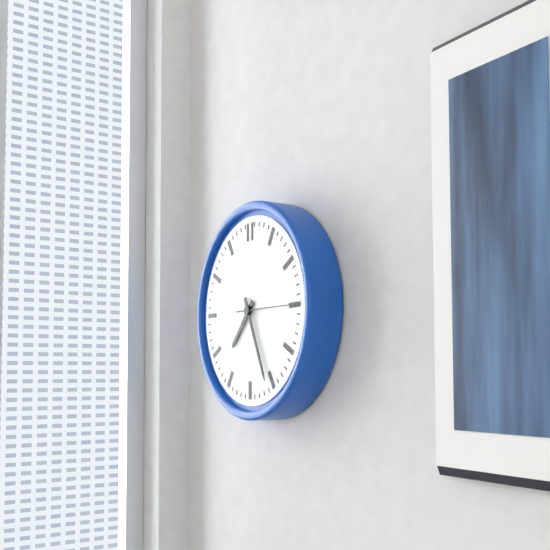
7.26.15
